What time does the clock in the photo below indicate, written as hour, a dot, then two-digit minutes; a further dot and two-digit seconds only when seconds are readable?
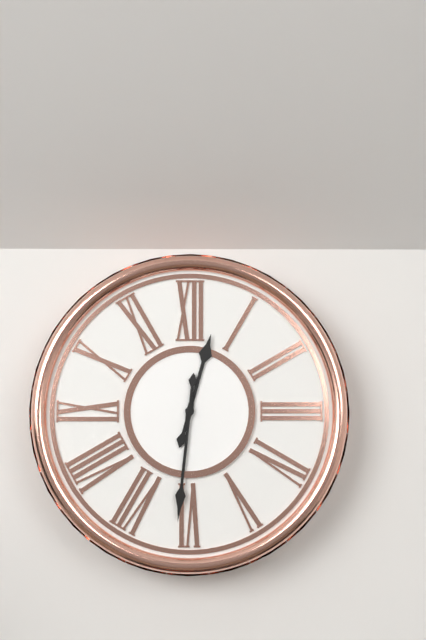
12.31
